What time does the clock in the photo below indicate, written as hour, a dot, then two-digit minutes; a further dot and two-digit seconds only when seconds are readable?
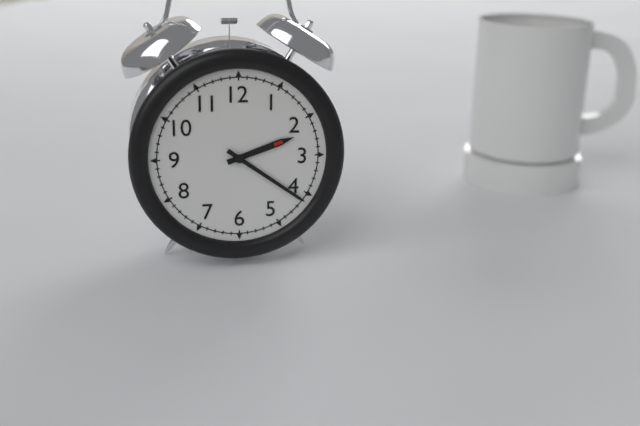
2.21
